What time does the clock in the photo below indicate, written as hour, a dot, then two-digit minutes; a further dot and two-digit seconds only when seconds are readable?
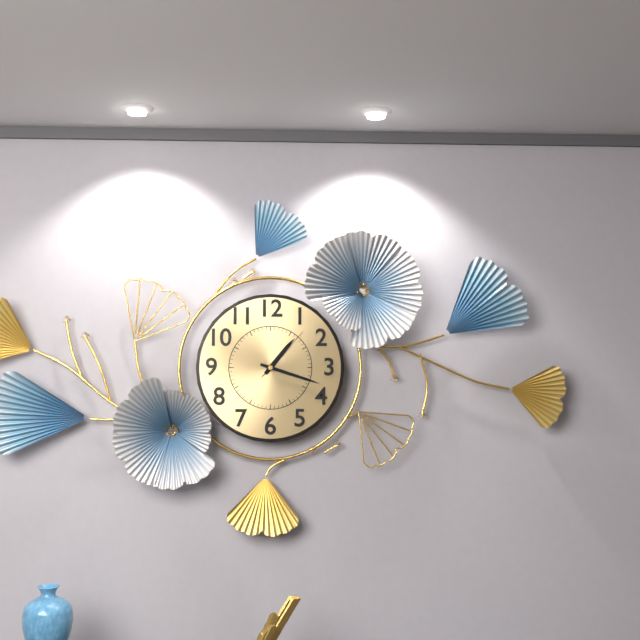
1.18.07
